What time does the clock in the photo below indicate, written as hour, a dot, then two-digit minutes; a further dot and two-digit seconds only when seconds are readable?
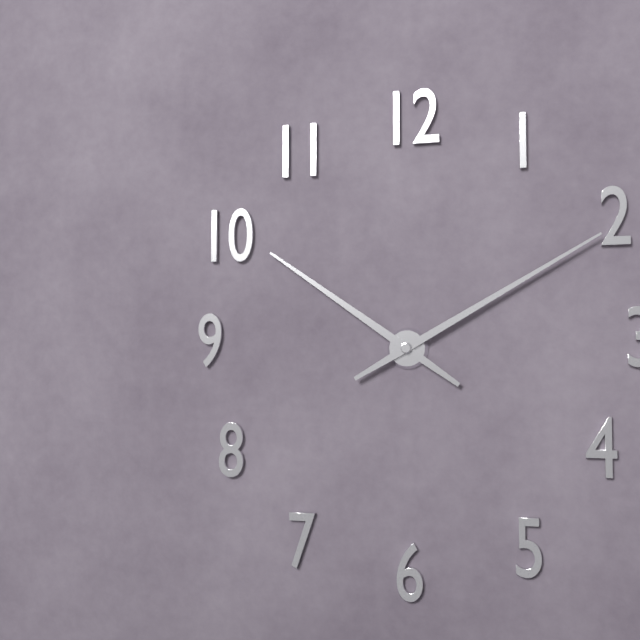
10.10
